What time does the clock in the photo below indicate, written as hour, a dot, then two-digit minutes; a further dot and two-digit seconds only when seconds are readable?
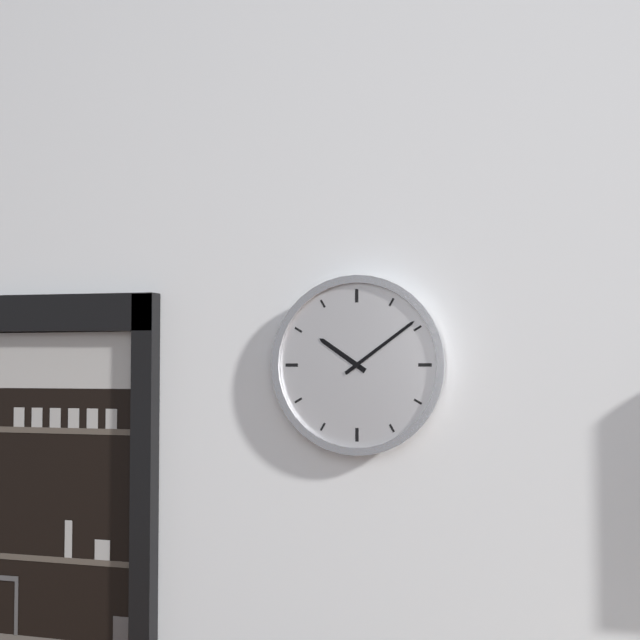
10.09
